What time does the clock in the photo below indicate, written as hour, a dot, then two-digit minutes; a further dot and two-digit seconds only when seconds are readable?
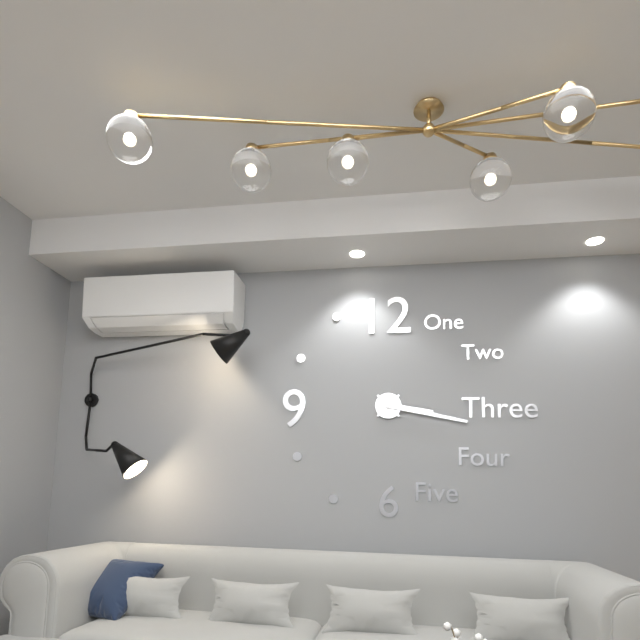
3.17
